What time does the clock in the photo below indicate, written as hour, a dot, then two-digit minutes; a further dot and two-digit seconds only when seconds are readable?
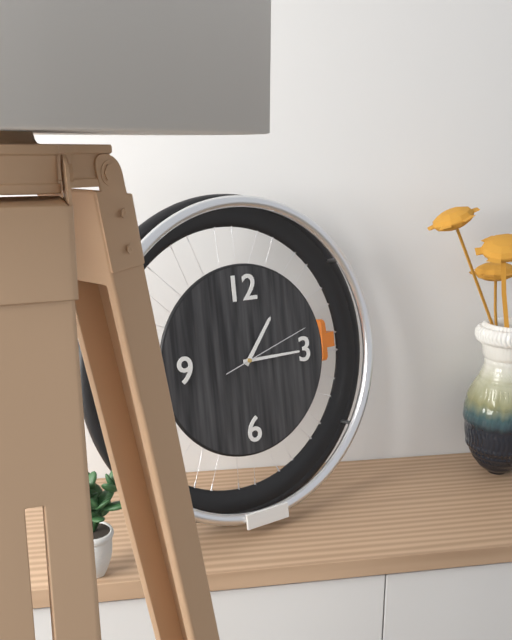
1.15.12
